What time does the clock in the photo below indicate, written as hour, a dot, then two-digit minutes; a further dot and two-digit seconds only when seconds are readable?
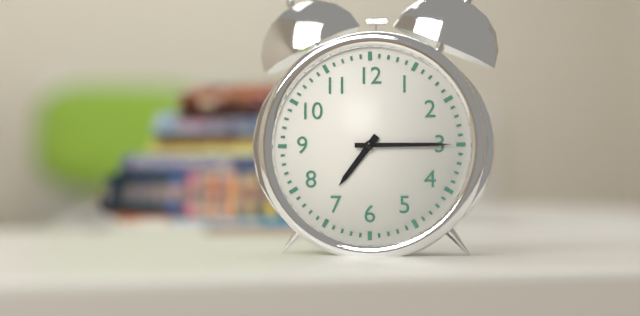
7.15
